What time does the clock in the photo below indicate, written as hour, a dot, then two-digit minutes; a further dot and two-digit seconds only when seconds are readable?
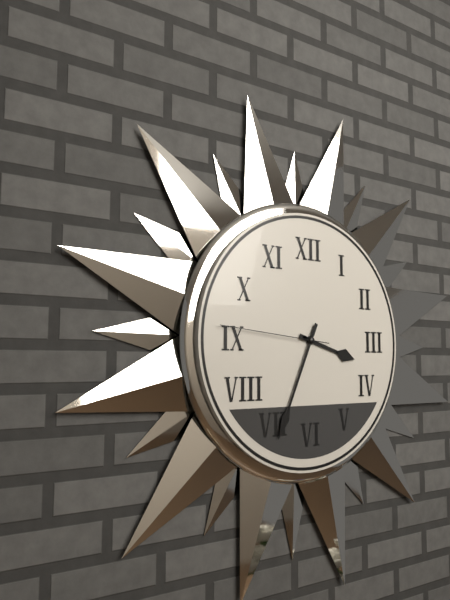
3.34.46
